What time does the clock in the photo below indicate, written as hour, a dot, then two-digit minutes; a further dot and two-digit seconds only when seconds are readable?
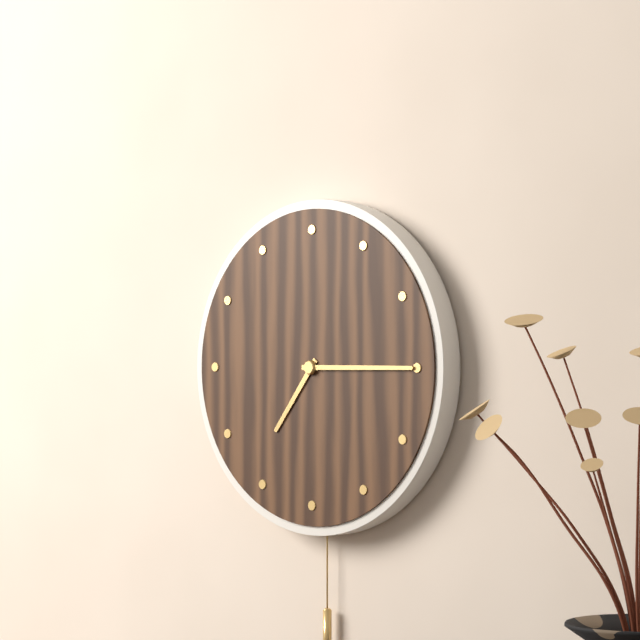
7.15
